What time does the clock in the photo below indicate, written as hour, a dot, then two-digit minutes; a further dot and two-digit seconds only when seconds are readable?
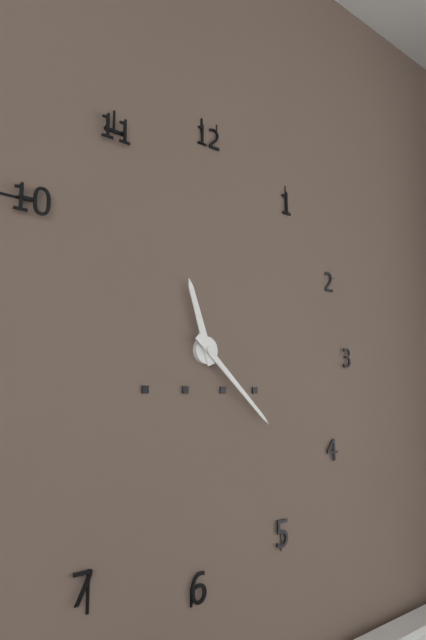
11.22
